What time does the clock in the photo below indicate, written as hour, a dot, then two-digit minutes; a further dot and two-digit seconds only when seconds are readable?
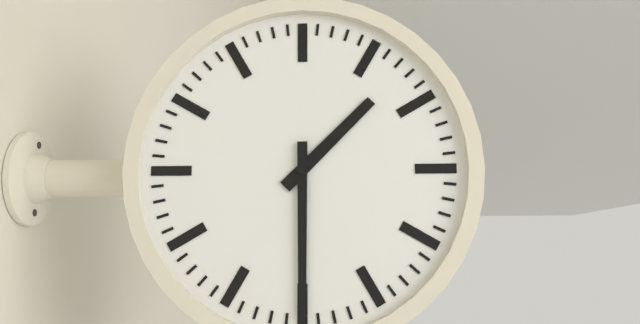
1.30
